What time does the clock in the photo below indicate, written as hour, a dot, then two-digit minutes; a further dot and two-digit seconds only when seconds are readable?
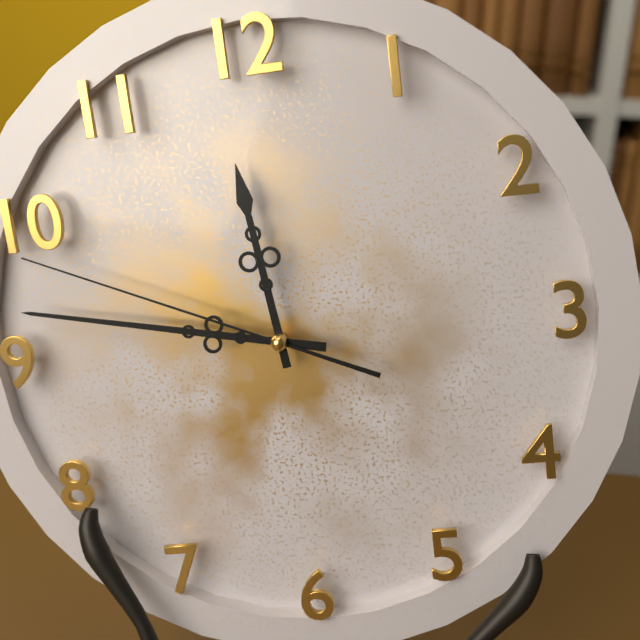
11.47.49
